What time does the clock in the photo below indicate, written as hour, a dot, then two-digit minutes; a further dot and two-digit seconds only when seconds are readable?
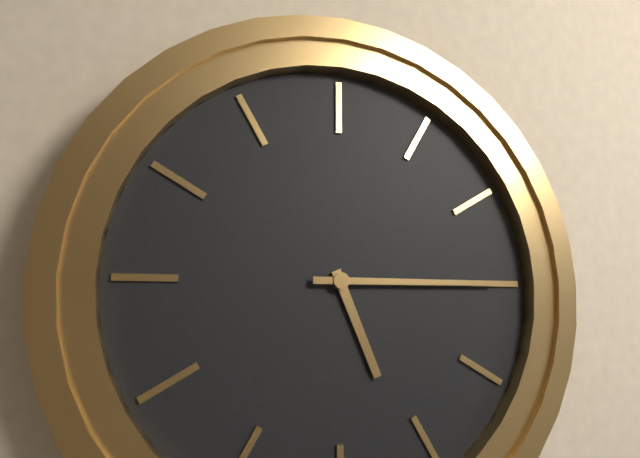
5.15
